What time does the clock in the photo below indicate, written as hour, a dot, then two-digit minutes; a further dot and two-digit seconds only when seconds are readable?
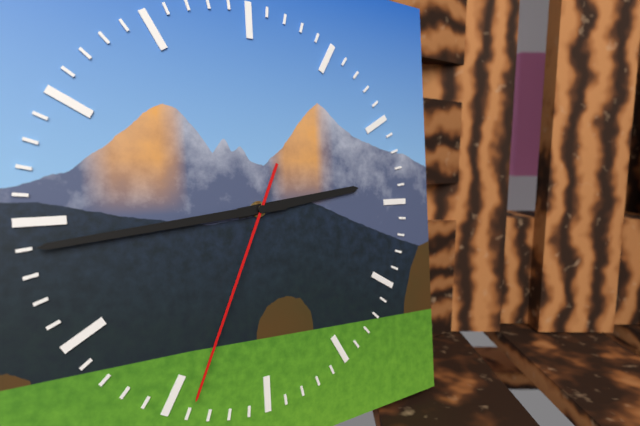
2.44.34
